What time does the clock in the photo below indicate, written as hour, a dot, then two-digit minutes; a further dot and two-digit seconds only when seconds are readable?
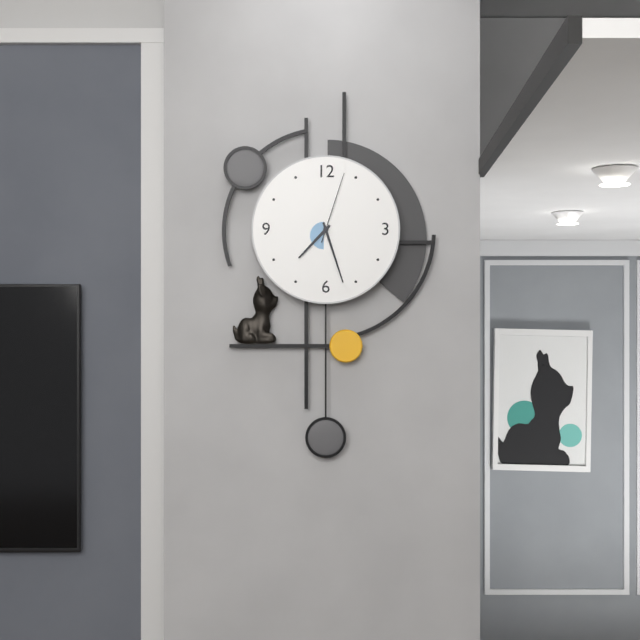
7.27.03
